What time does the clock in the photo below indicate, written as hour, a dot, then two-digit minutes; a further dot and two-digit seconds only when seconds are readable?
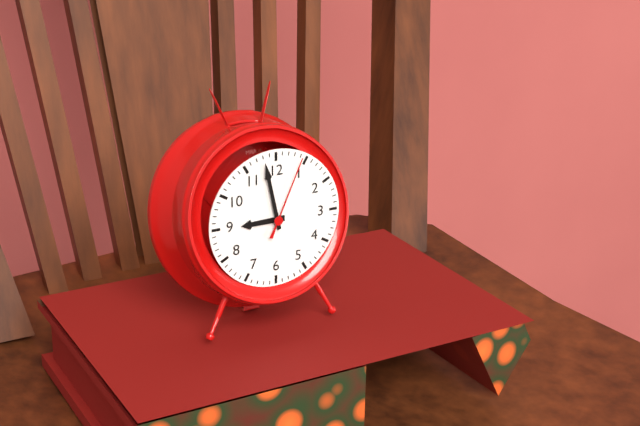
8.58.04
